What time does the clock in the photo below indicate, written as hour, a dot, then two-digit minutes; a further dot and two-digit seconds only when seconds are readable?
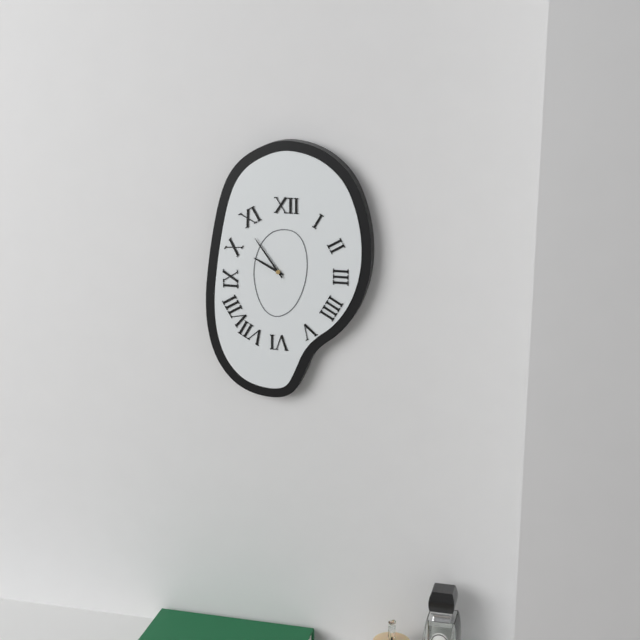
9.54
